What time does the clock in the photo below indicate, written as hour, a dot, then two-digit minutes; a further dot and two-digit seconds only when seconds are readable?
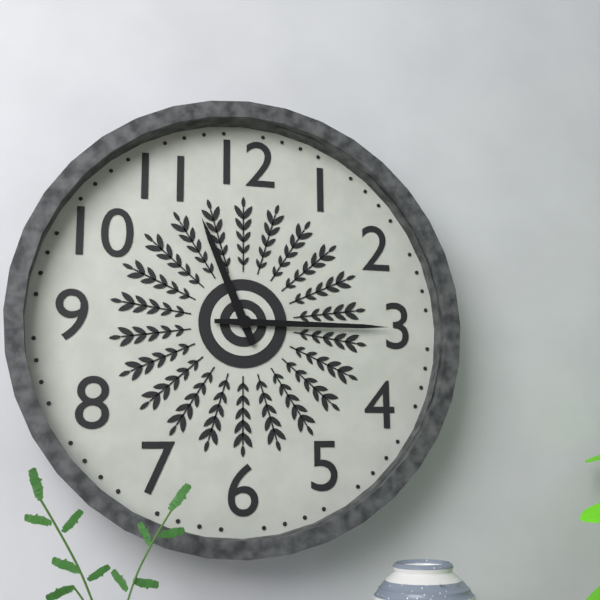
11.15
